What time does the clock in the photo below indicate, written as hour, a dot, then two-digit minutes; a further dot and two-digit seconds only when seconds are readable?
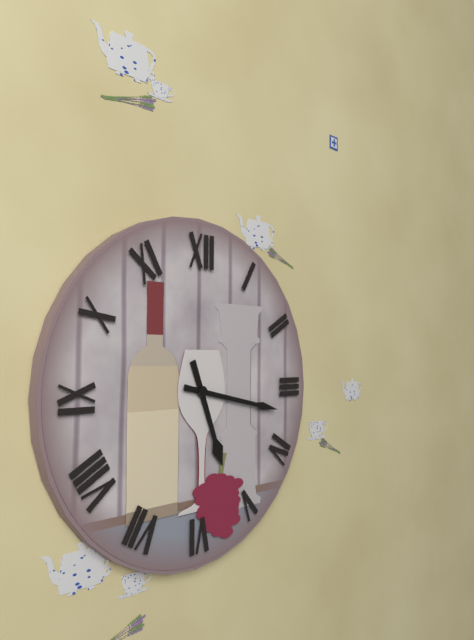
5.17
